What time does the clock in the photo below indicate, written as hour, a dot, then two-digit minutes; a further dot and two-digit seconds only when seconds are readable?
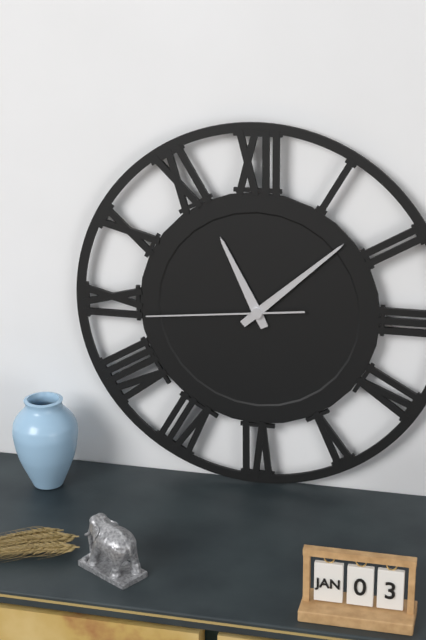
11.08.44
